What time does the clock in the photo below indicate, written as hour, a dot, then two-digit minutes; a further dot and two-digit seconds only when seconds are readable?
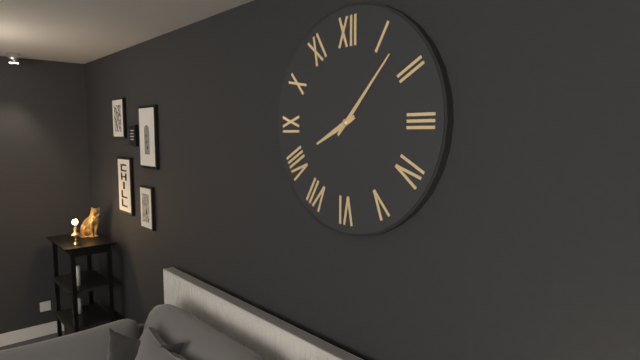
8.07
